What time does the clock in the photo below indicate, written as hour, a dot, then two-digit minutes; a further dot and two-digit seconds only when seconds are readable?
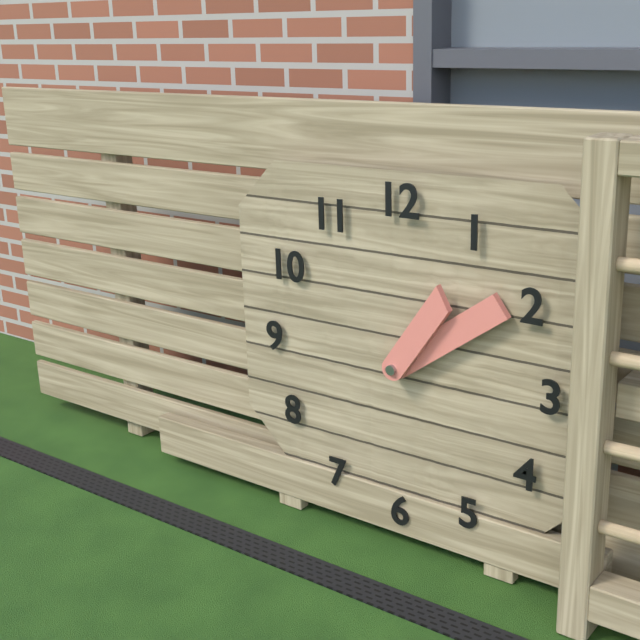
1.09
